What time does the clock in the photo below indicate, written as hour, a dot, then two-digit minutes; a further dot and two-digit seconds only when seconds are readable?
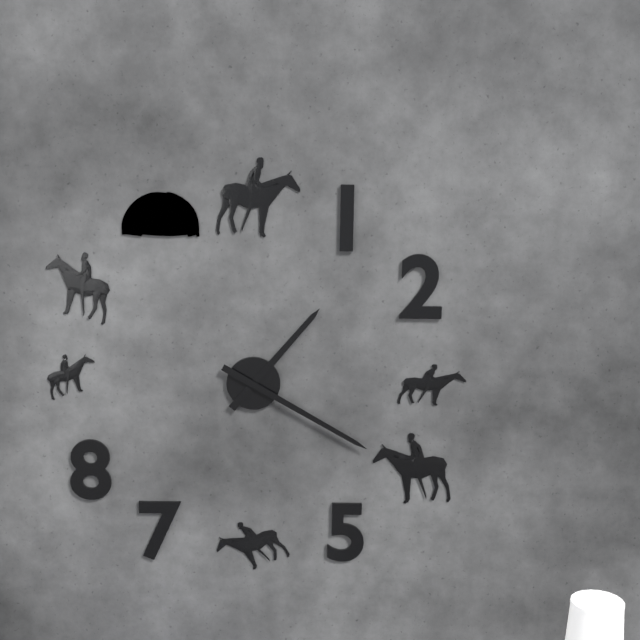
1.20
